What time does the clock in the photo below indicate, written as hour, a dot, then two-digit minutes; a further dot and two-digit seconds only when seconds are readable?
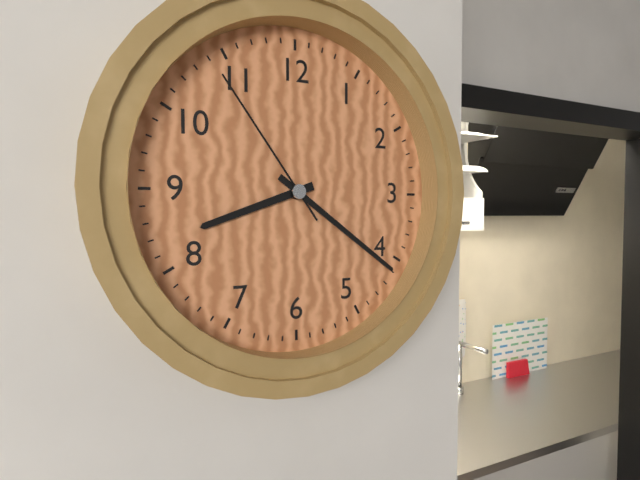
8.21.54
